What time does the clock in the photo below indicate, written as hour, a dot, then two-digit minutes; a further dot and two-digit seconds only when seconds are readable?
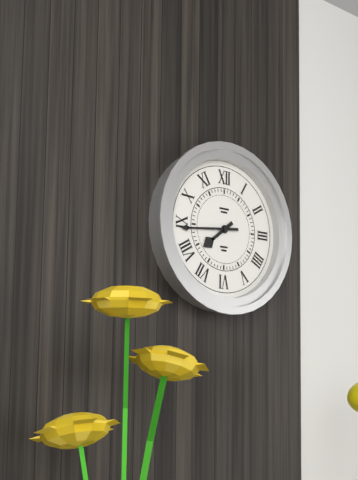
7.44
